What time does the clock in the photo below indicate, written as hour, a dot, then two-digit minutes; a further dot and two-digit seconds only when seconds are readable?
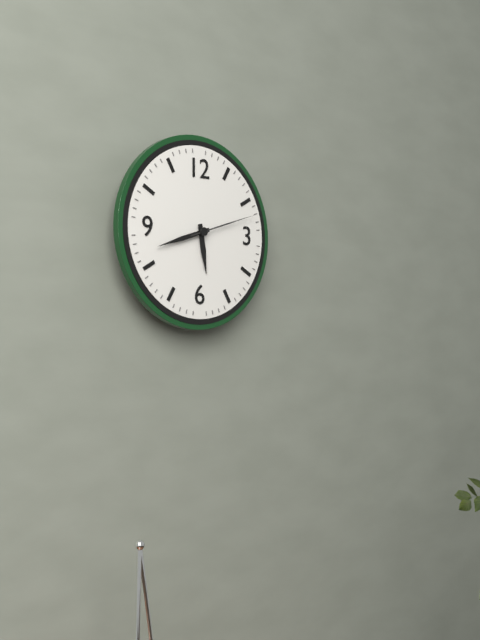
5.42.12
